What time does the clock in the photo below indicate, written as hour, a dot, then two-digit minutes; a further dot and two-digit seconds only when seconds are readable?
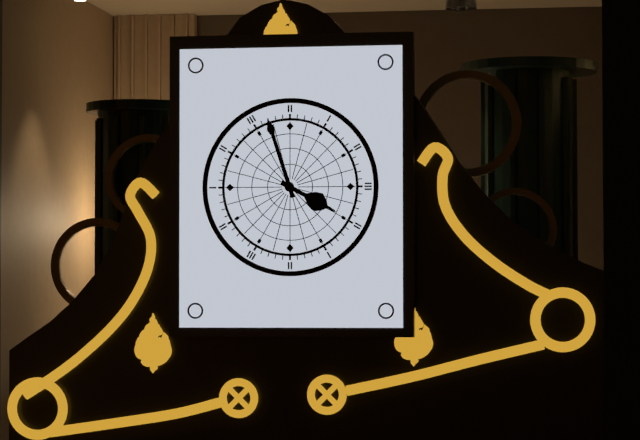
3.57
